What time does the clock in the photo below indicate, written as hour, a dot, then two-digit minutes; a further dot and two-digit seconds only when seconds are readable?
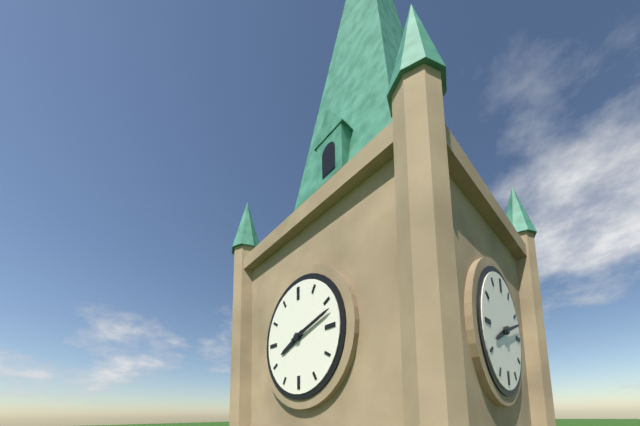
8.12
